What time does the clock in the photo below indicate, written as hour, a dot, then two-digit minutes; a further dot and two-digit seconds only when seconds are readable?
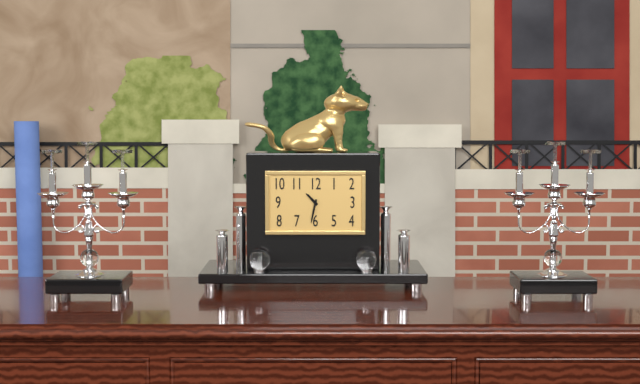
10.32
